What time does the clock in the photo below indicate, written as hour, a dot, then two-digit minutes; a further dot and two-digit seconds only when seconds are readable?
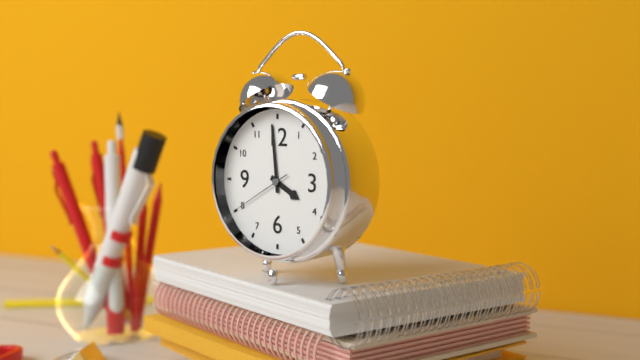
3.59.40
